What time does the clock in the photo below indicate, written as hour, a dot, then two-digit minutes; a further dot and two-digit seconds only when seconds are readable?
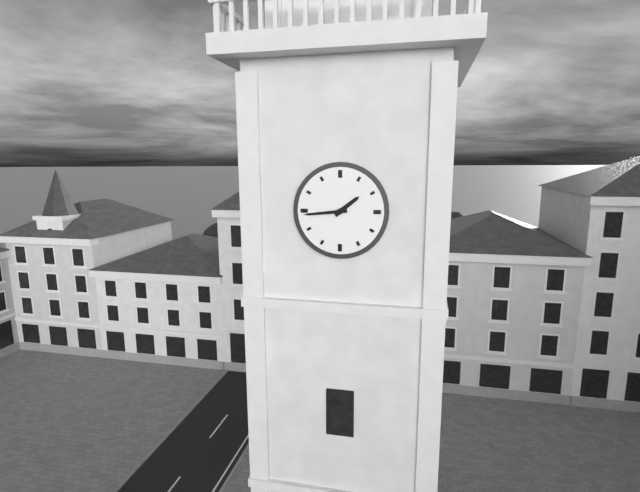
1.44
